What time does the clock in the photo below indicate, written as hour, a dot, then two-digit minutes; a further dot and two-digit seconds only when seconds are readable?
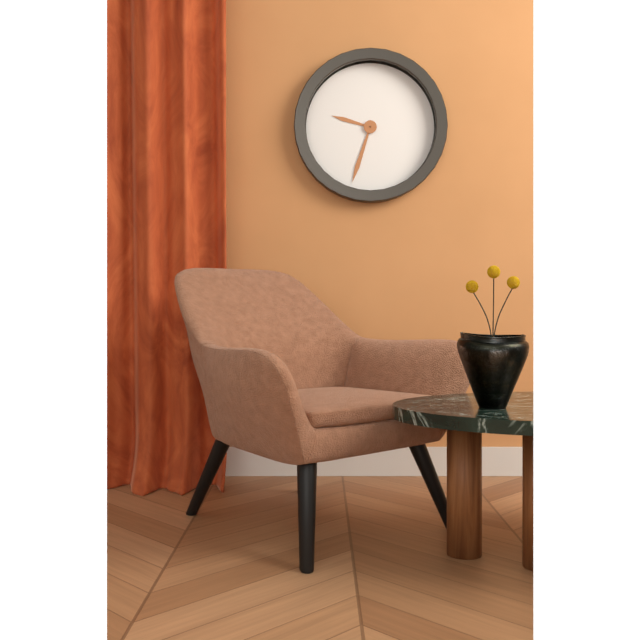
9.33
